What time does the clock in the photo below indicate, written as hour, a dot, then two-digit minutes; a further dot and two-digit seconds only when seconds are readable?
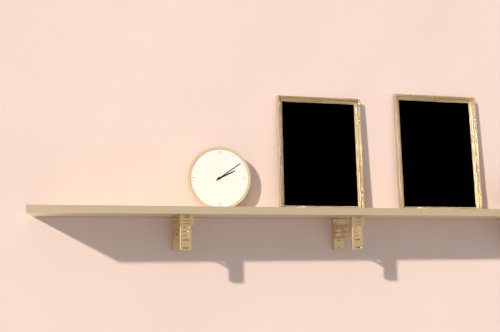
2.09
